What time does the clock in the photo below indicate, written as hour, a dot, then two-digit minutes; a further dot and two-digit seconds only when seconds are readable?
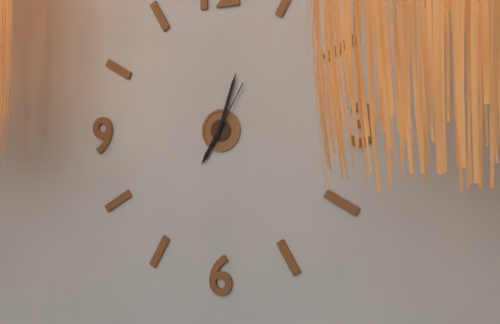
7.03.05
